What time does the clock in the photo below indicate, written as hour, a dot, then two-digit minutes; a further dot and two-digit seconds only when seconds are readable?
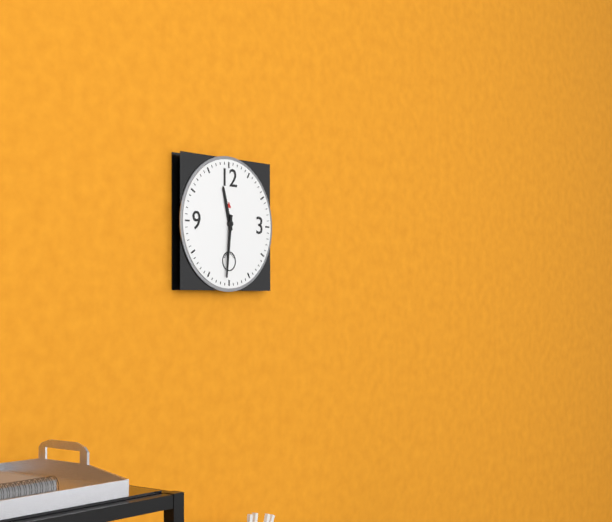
11.31
